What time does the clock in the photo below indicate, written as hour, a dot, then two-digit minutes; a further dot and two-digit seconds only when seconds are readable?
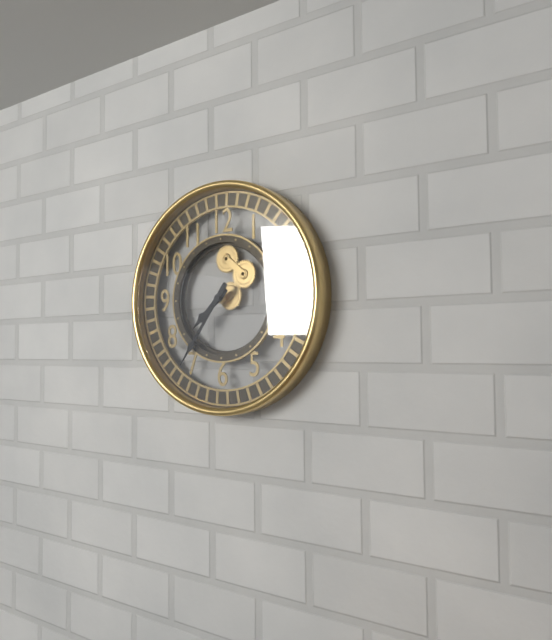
7.36
